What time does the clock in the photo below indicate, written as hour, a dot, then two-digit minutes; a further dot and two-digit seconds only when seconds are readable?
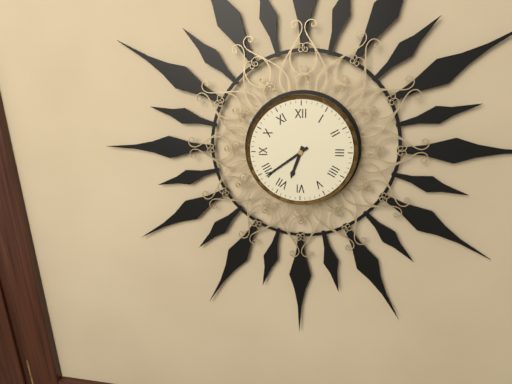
6.39
